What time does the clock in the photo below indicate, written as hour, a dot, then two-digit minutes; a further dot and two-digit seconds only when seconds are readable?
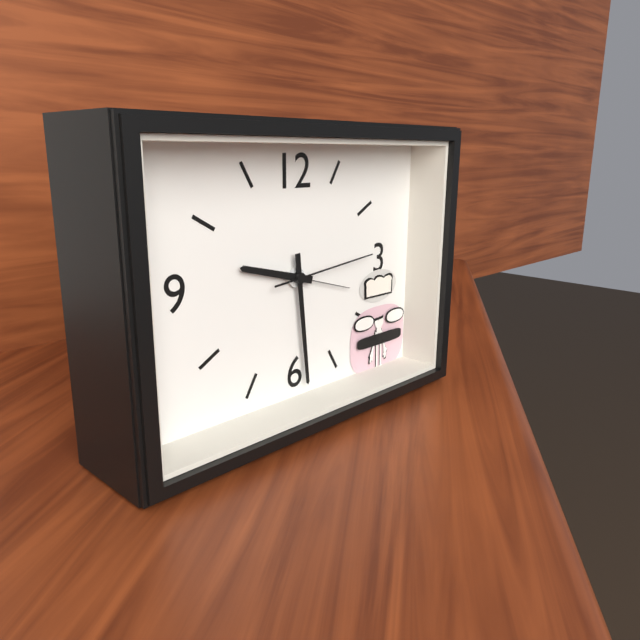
9.29.14
